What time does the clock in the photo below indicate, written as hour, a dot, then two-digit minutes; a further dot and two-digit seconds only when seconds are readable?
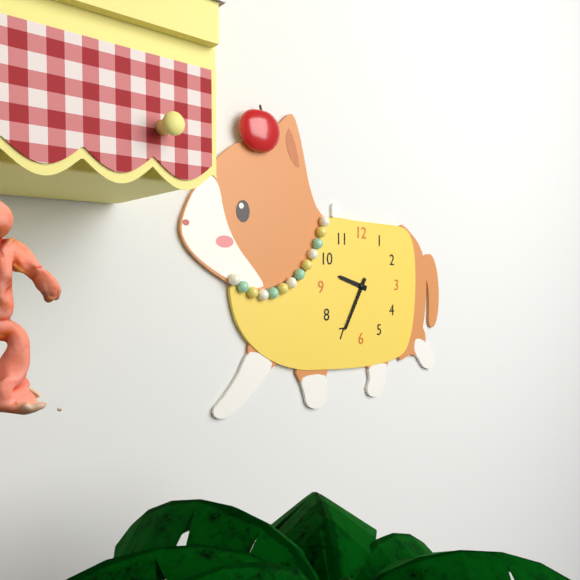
9.35
